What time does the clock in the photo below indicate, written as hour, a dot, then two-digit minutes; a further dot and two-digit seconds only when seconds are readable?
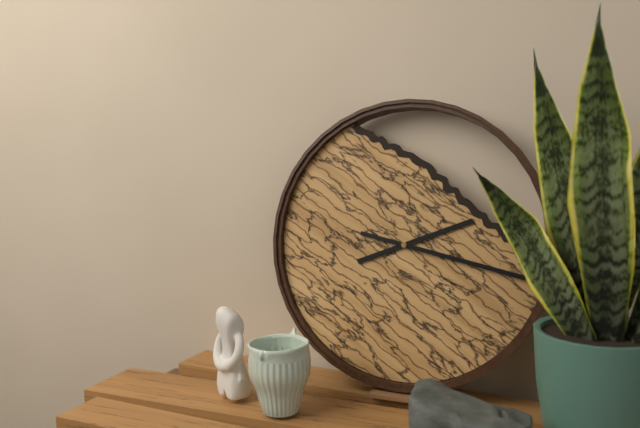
2.17
